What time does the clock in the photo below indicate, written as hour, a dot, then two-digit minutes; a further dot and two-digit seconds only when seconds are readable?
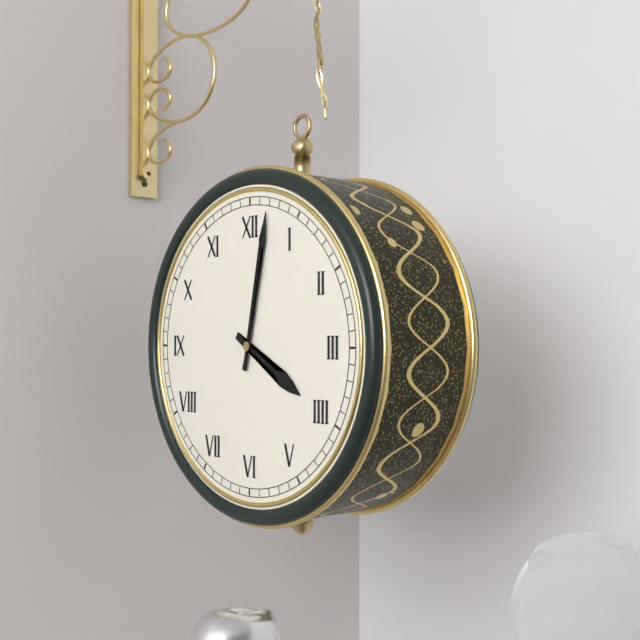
4.02
